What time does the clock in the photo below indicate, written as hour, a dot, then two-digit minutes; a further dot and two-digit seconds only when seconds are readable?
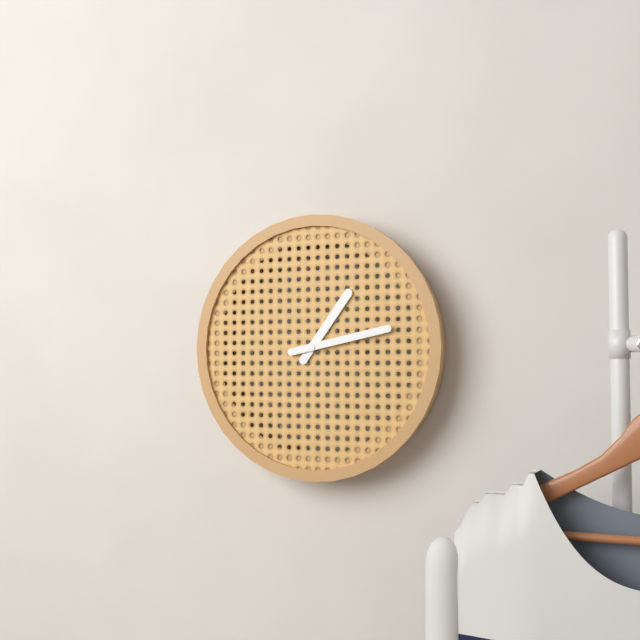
1.13
